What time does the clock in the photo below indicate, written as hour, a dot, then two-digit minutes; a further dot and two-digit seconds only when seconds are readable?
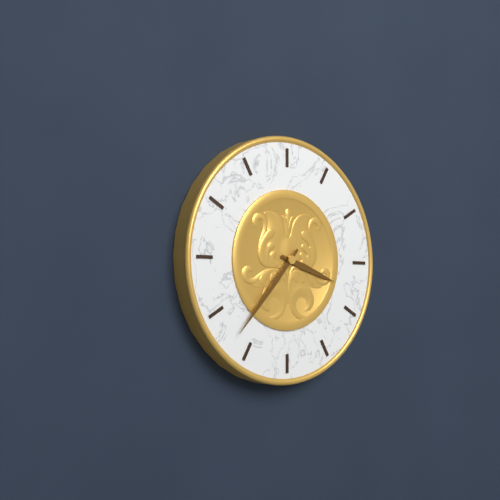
3.37
